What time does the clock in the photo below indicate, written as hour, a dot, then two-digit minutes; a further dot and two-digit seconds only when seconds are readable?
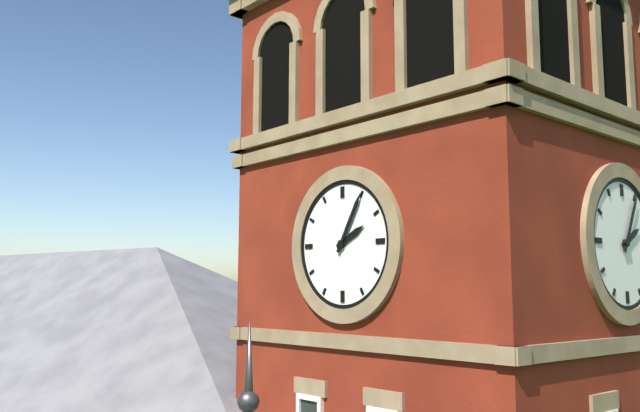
2.05
